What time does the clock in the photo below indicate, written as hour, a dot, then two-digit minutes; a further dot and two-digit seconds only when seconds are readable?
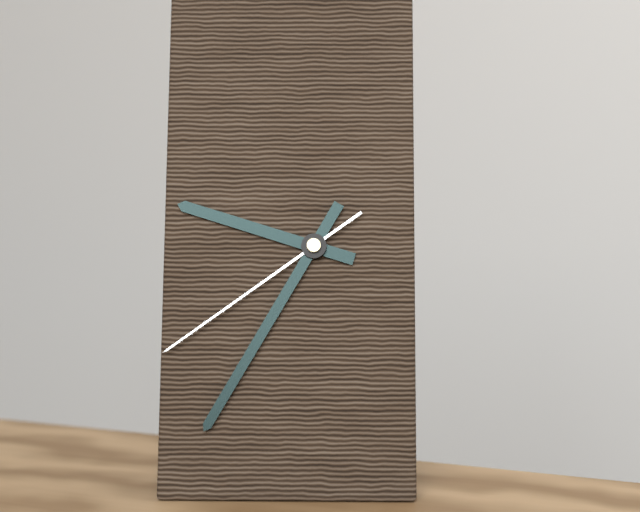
9.35.39
